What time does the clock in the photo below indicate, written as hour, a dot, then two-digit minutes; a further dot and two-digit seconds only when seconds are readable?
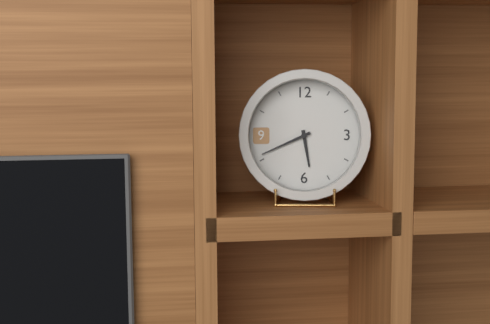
5.41
